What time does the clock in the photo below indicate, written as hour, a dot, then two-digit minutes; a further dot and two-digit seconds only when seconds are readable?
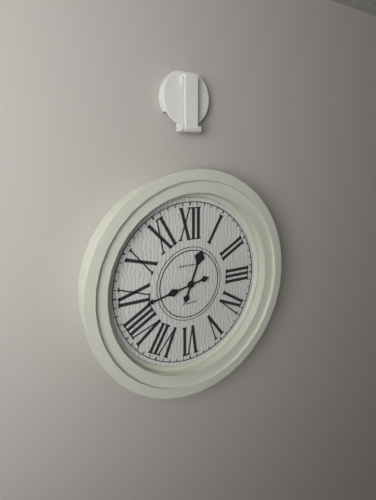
12.43
